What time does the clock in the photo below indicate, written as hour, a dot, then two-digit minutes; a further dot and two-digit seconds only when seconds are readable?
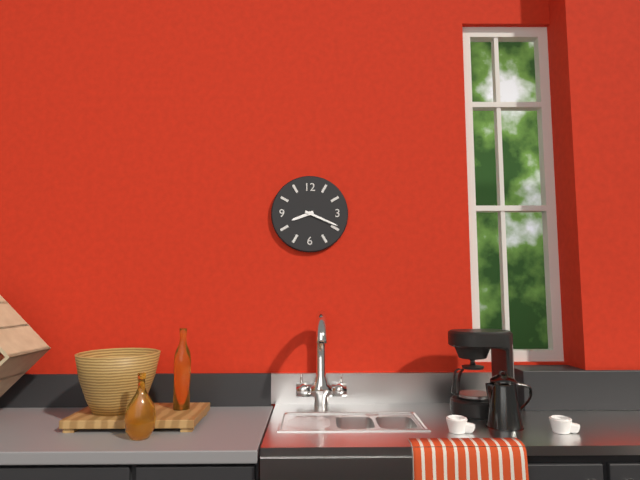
8.19
